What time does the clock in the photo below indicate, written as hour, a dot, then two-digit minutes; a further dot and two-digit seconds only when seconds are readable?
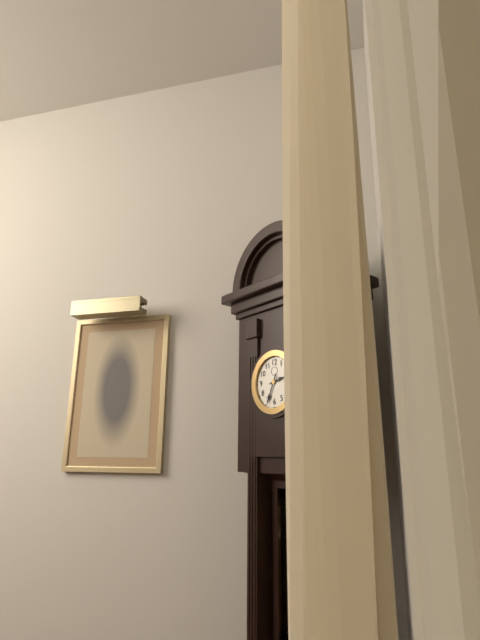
2.34
